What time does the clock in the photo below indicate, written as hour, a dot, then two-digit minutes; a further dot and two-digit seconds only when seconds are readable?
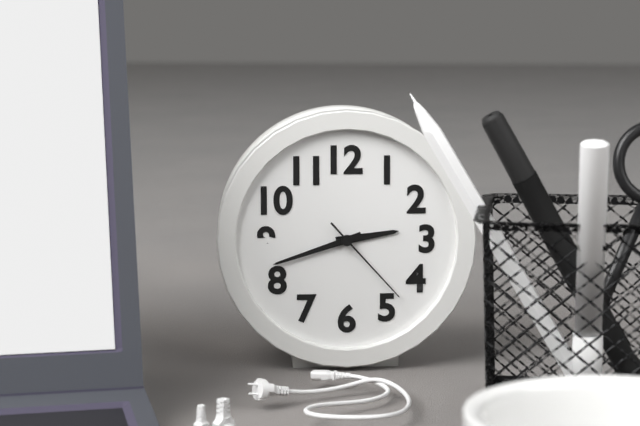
2.42.23
